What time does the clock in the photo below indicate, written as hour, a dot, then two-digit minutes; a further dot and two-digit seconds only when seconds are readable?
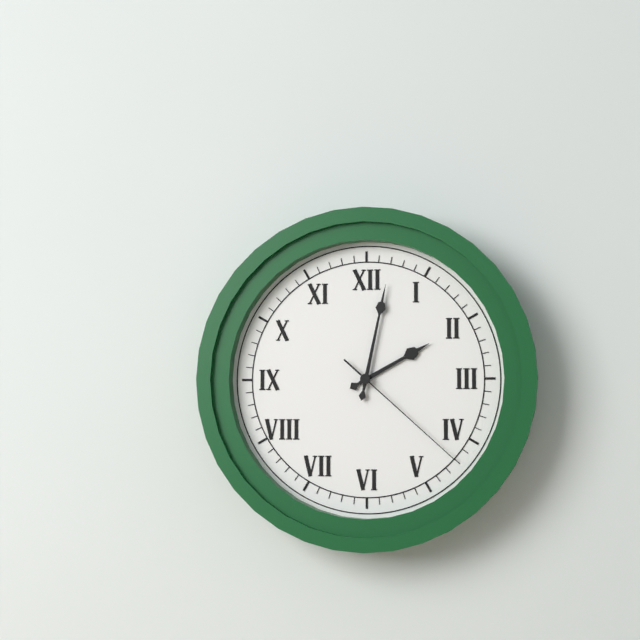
2.02.22
